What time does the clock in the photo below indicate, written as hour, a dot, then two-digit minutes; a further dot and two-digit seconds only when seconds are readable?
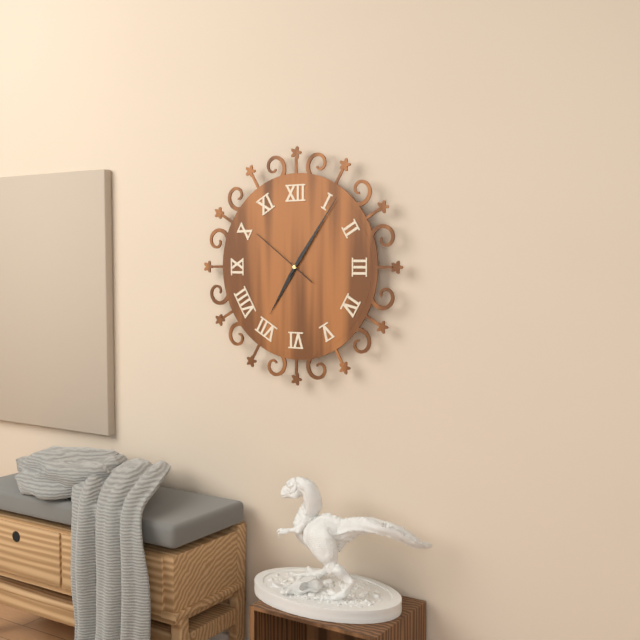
7.06.51
